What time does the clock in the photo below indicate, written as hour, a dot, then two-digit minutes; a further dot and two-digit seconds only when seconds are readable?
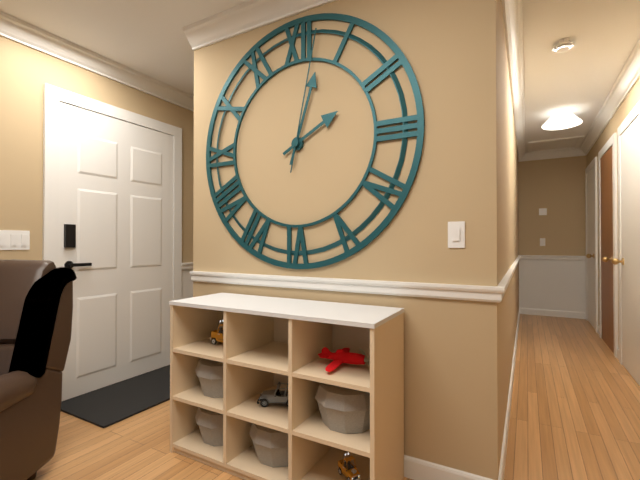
2.03.02
